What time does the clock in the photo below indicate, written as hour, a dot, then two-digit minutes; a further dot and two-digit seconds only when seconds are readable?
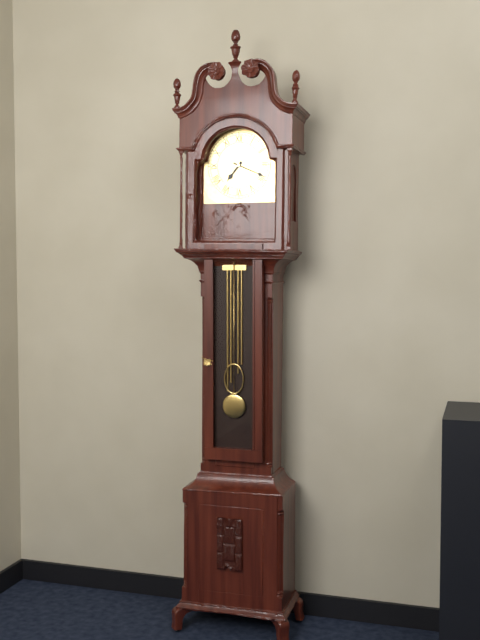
7.19
